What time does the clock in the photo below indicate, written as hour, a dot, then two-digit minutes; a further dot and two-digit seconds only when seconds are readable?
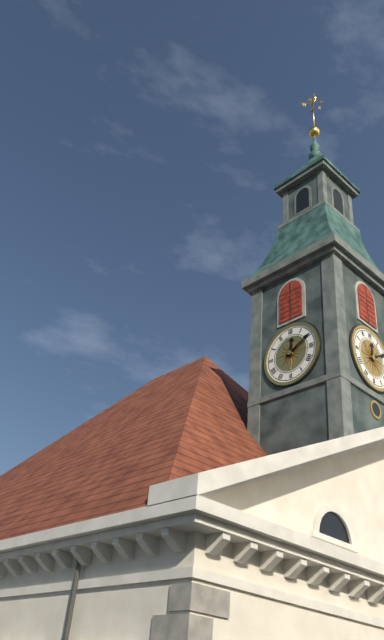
12.10
